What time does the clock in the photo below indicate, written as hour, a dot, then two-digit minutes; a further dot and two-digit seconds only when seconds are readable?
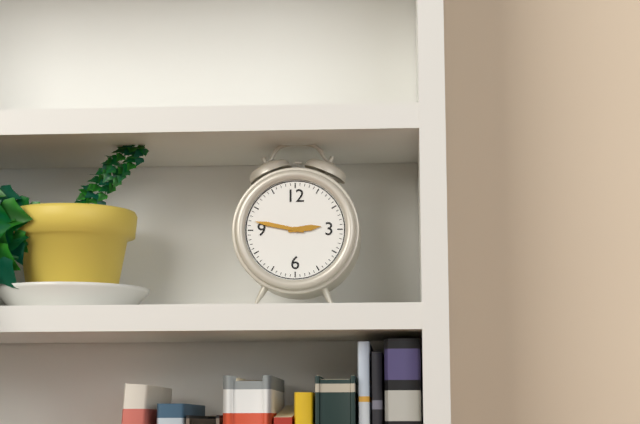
2.47
